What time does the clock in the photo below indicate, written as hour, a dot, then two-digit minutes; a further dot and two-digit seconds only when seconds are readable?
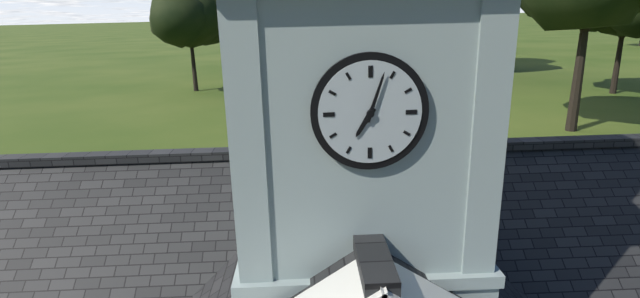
7.03
